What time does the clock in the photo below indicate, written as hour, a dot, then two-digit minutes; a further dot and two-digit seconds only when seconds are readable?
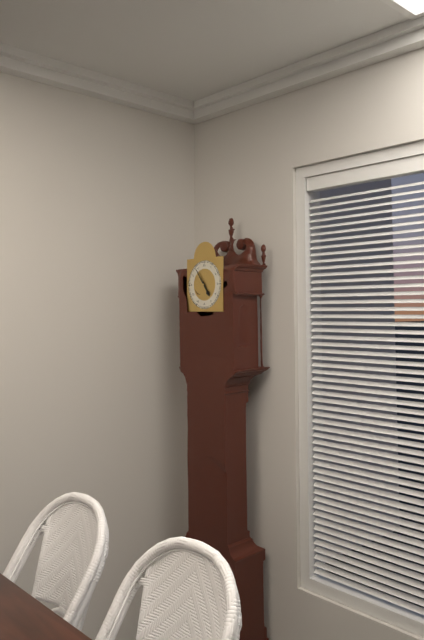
4.54
